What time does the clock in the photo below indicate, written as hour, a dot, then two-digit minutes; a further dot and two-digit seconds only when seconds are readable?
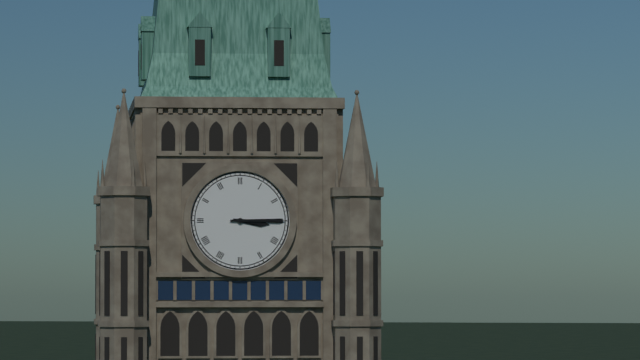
3.15
